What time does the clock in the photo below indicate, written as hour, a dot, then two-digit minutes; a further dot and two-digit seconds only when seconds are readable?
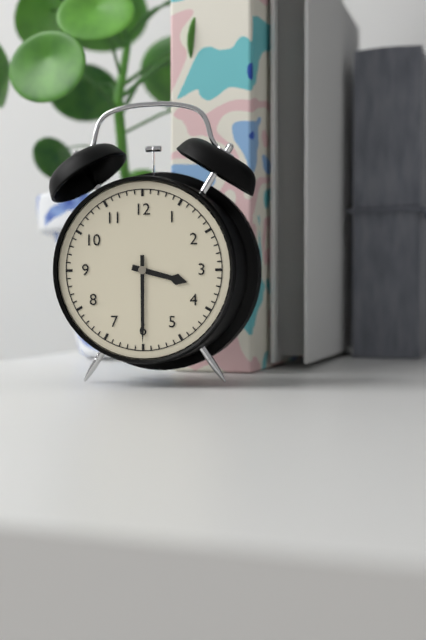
3.30
